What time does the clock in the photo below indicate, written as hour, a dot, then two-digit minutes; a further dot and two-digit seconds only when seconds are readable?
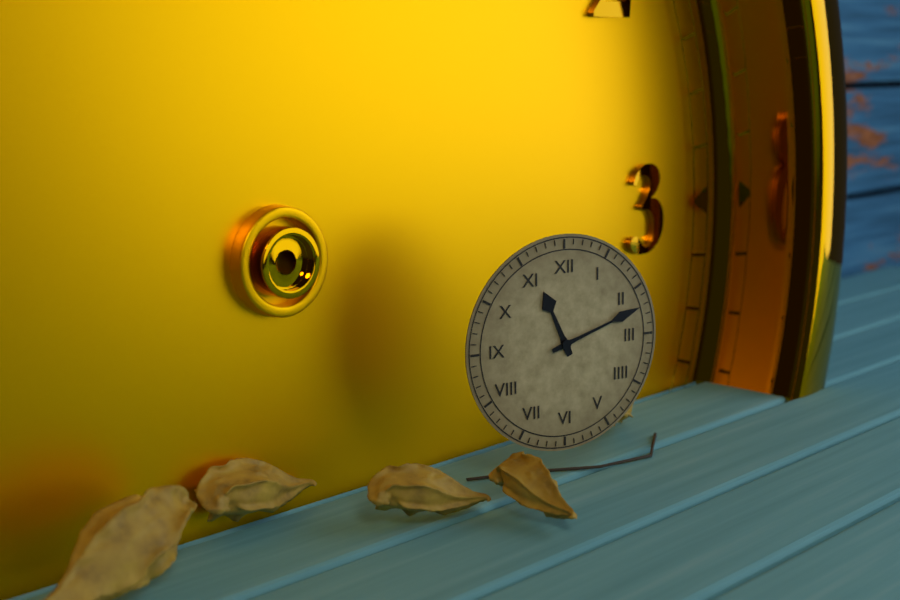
11.12
